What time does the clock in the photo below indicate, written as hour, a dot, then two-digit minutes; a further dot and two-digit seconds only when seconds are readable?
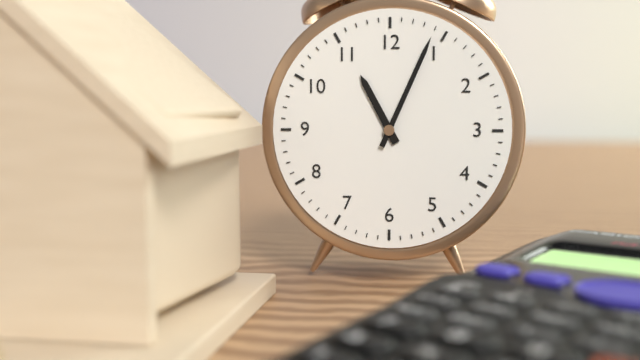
11.04
